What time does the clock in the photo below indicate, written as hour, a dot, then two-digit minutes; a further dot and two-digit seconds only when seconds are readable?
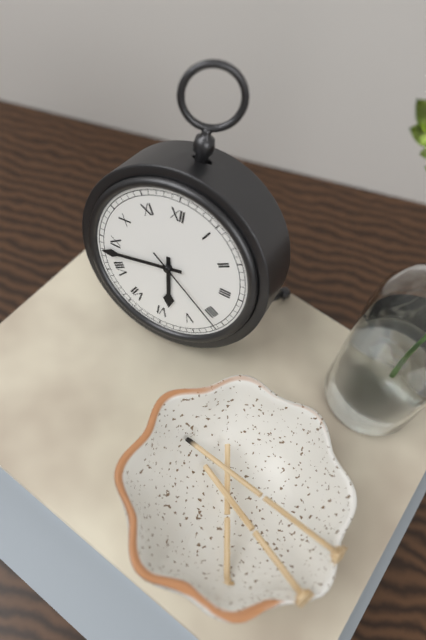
5.43.21
